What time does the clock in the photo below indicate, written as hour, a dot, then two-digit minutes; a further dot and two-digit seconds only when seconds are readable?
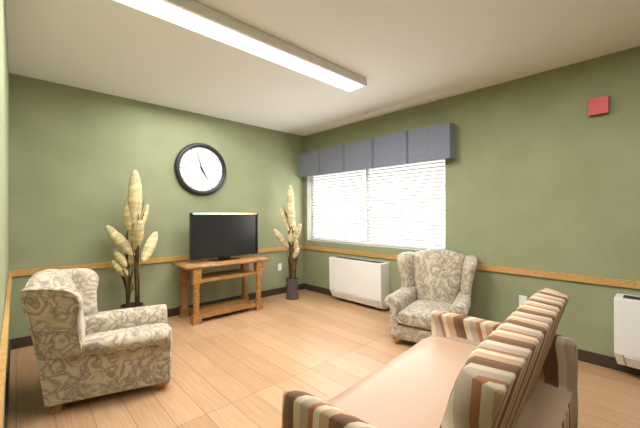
4.57
